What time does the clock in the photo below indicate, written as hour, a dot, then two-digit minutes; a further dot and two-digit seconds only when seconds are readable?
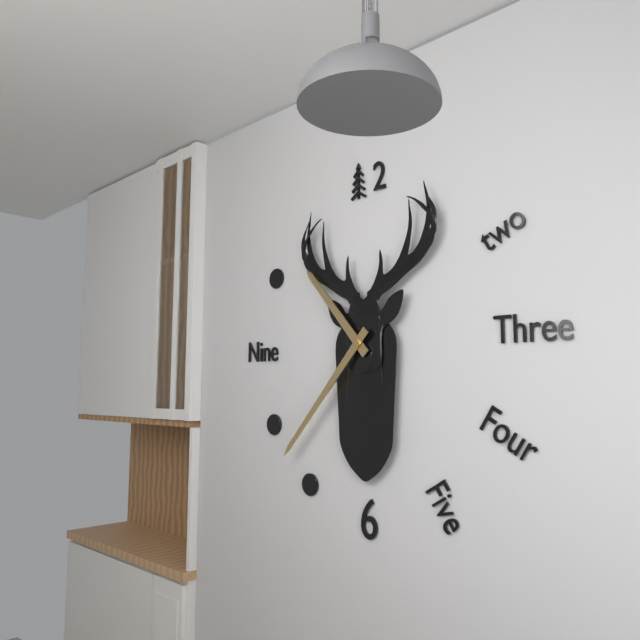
10.37
